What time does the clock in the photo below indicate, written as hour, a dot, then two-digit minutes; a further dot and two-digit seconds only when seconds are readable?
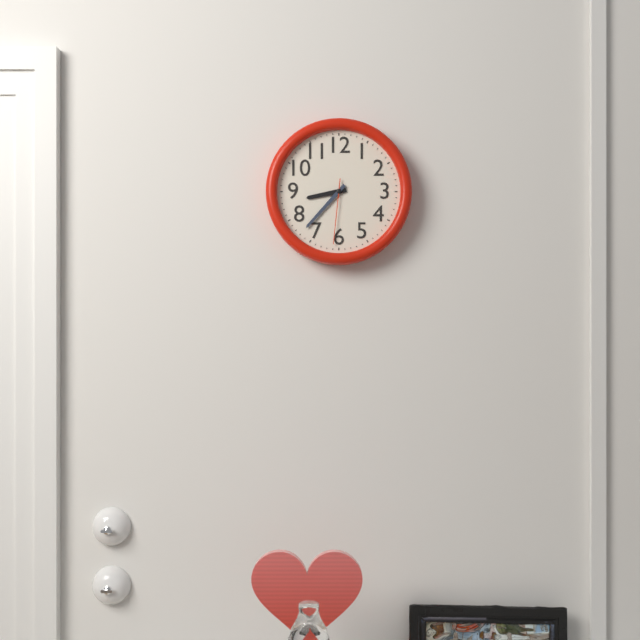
8.37.31
